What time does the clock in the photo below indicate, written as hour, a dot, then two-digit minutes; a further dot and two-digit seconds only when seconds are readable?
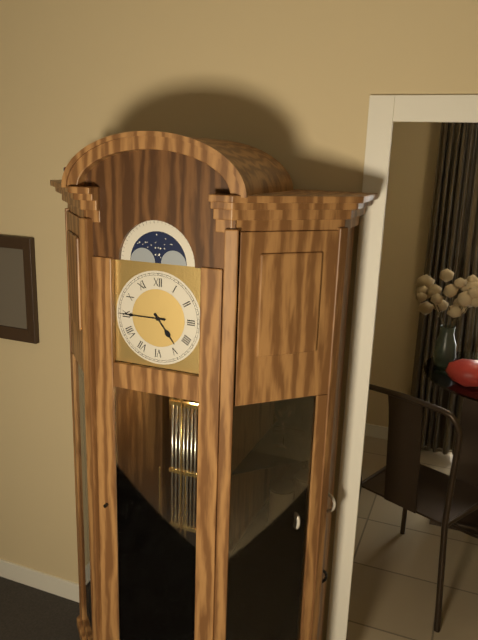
4.45
